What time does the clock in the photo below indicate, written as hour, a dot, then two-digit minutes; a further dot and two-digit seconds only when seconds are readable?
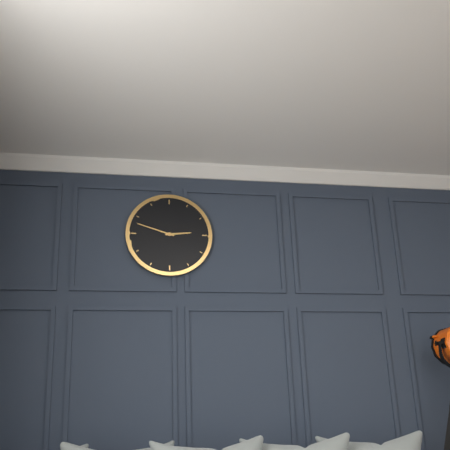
2.48
